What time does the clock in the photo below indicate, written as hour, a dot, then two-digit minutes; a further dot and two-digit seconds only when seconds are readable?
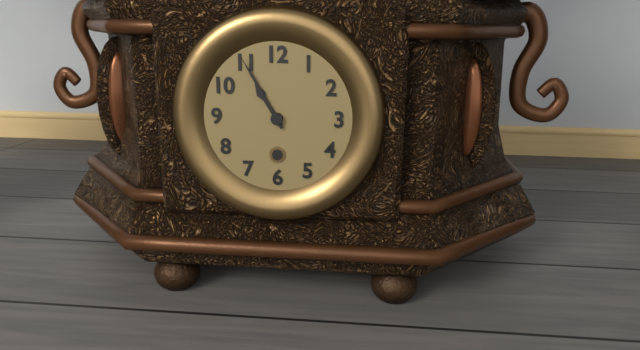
10.55
